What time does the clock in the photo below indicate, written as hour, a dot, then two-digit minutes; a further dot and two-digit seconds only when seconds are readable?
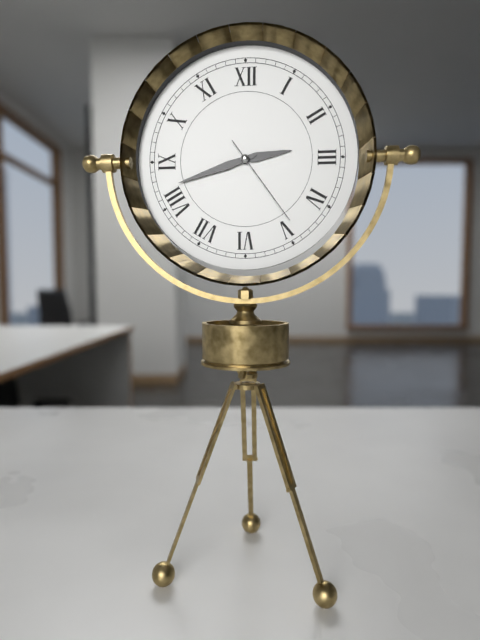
2.42.24
